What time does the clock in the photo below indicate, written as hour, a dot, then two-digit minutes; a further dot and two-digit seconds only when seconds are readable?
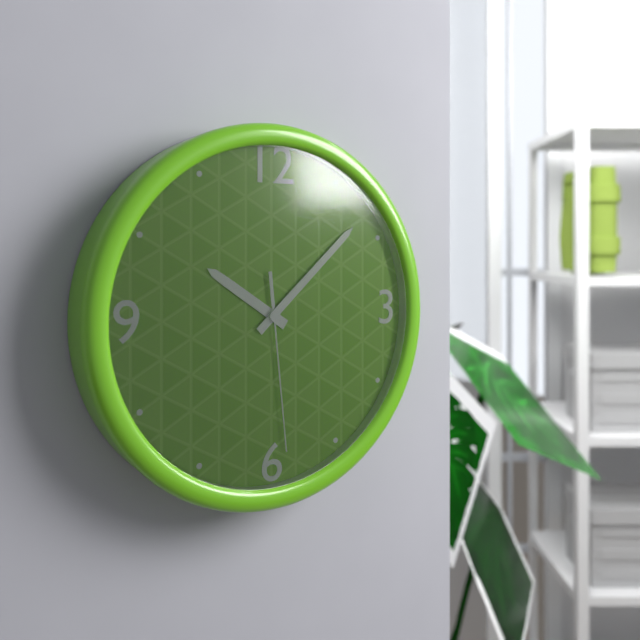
10.08.29
